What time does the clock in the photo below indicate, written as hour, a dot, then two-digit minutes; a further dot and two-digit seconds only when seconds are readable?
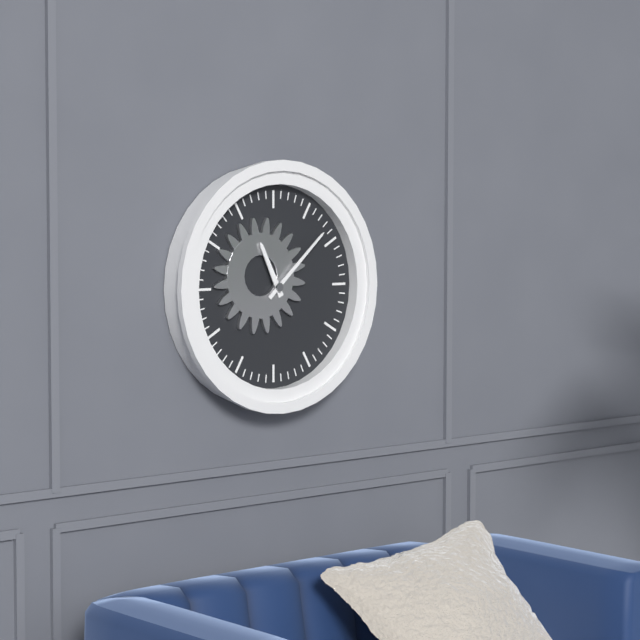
11.08
